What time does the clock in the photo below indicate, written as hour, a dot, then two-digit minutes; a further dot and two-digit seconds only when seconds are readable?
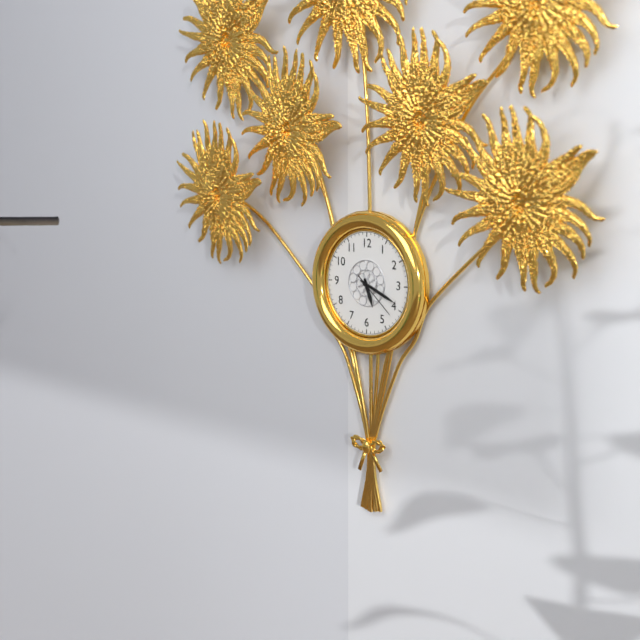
5.19
